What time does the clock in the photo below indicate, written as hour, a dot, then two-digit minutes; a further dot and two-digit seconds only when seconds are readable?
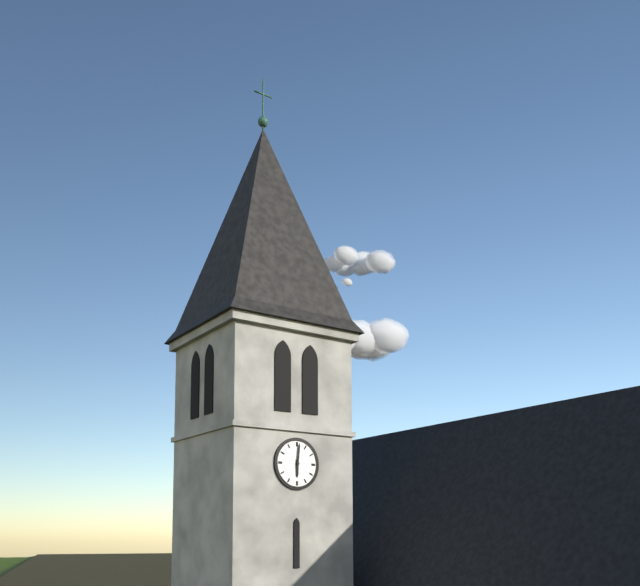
6.01
